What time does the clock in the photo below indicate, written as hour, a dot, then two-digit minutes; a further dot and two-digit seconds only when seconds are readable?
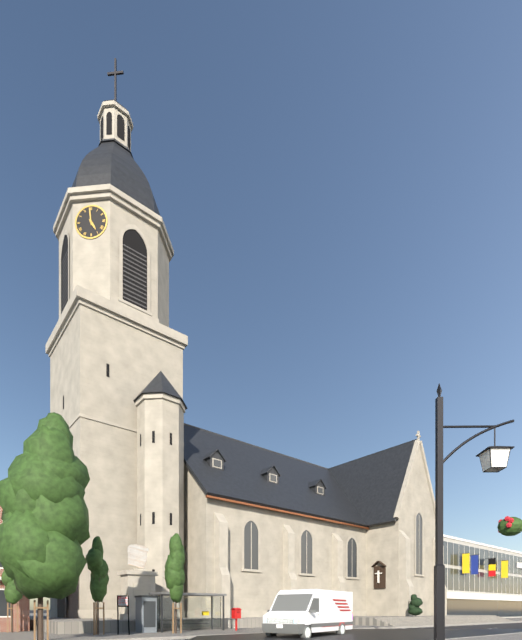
4.59
